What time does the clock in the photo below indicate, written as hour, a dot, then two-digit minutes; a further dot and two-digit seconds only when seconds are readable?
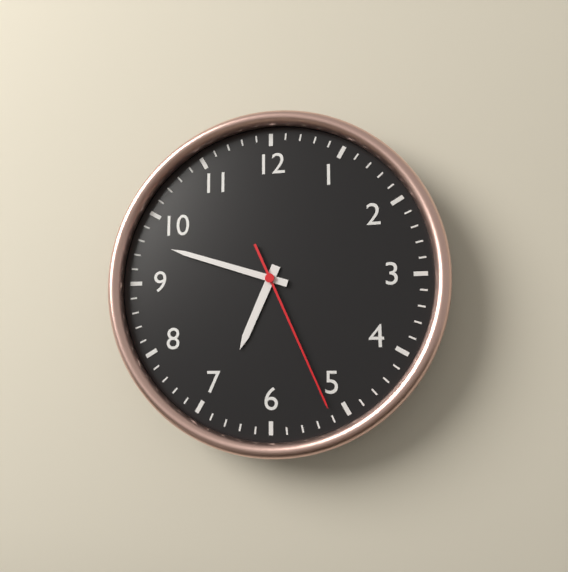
6.48.26
